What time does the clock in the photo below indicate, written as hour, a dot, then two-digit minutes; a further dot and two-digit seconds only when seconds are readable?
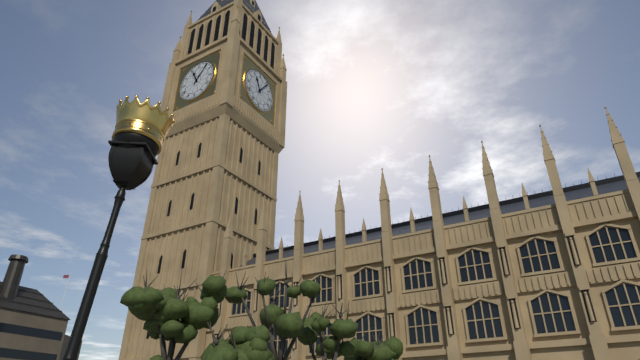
11.06
